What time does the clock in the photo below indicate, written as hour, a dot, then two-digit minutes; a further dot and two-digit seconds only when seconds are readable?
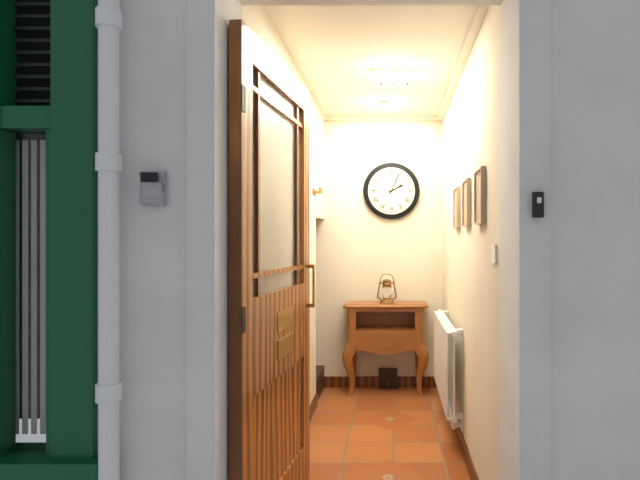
2.04
